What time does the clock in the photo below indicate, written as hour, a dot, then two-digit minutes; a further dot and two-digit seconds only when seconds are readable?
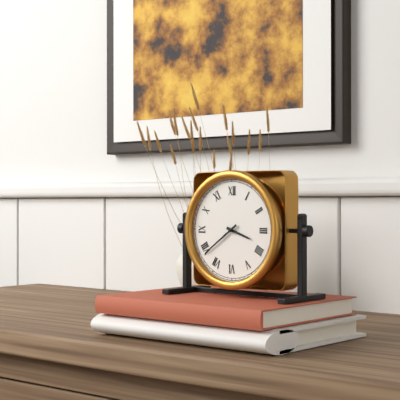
3.39
